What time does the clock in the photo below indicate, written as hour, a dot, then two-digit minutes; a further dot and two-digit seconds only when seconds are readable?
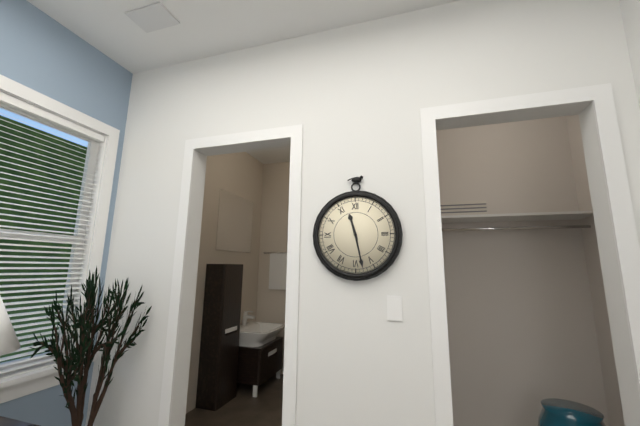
11.28
